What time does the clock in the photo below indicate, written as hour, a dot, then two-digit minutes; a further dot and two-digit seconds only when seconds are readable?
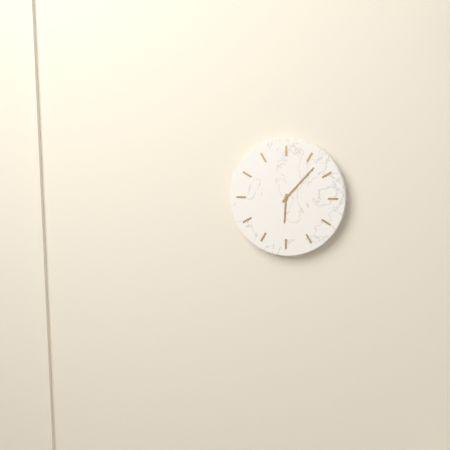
6.07
